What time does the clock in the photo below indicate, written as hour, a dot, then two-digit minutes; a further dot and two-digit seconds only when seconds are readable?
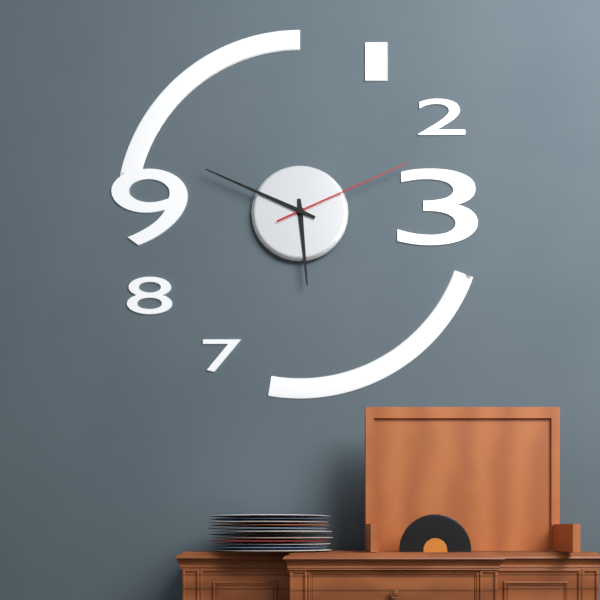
5.49.11
